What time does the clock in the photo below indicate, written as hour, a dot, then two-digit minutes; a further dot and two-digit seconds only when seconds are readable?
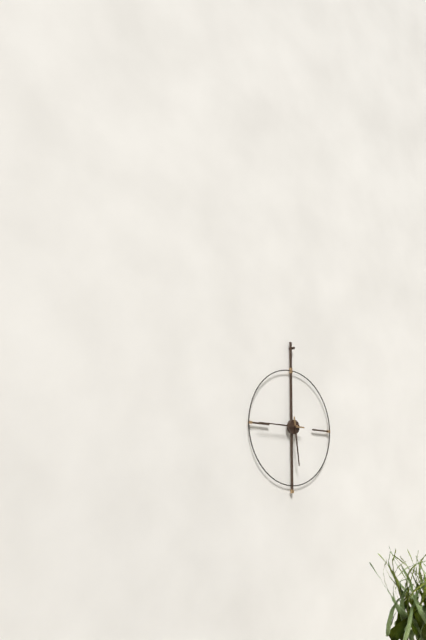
5.45
